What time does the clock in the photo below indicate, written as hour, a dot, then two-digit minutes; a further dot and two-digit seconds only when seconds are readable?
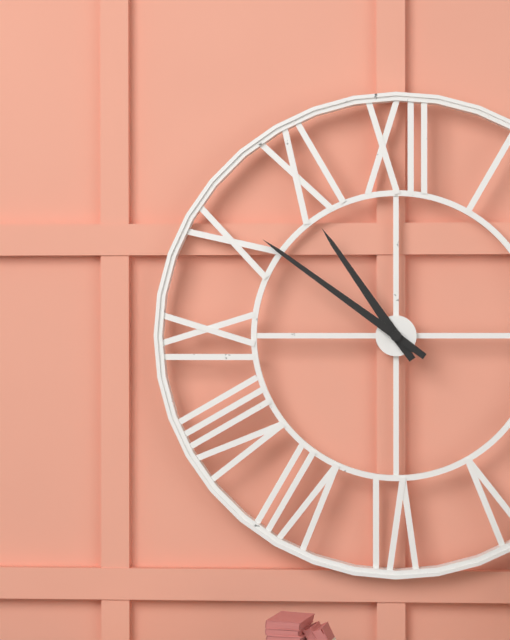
10.51
